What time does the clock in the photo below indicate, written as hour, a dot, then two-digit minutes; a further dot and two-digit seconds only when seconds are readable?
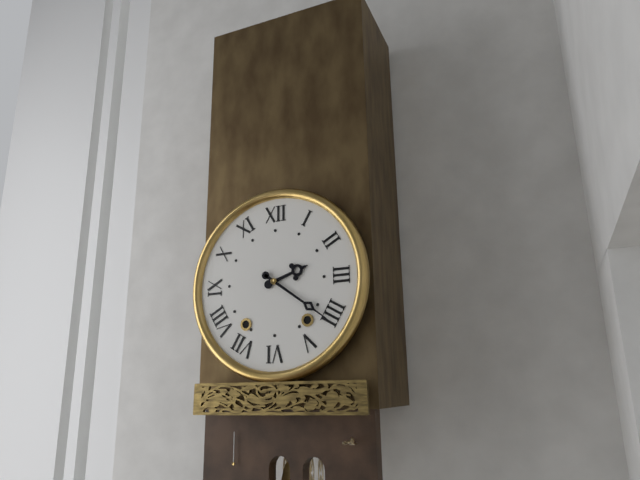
2.21
